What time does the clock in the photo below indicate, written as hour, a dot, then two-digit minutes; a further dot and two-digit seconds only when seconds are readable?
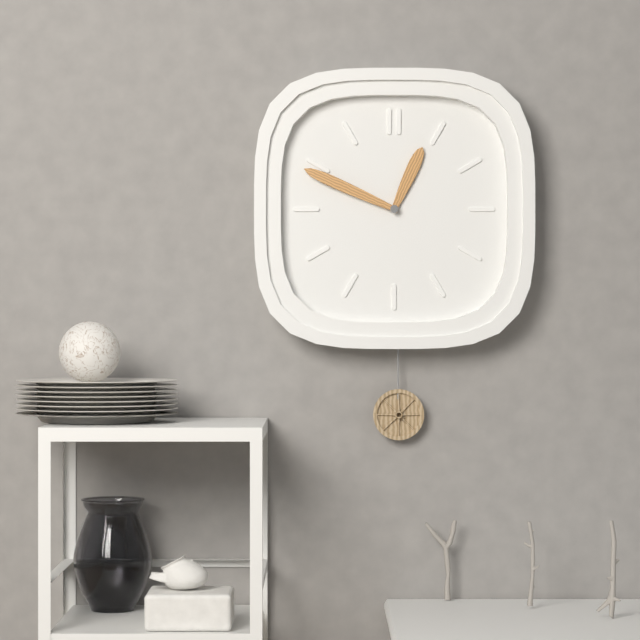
12.49
